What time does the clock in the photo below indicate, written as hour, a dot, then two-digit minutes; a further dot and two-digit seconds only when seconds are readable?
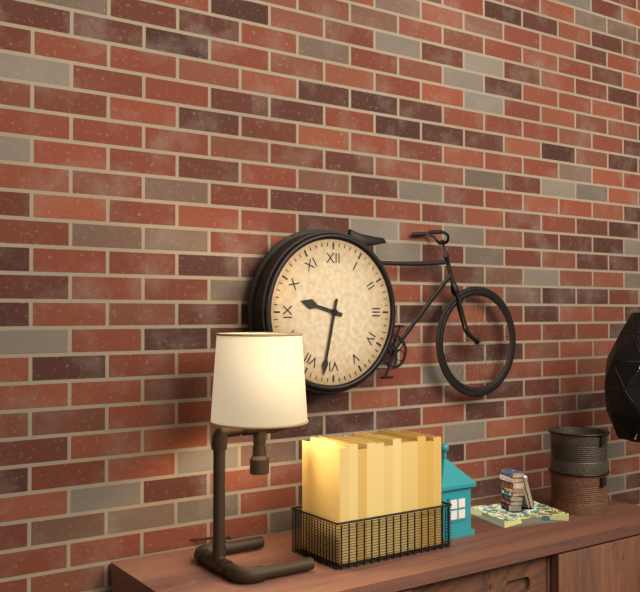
9.32
